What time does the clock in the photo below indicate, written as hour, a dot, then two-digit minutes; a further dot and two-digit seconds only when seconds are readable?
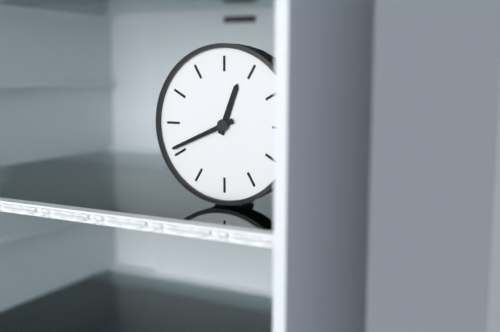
12.41
